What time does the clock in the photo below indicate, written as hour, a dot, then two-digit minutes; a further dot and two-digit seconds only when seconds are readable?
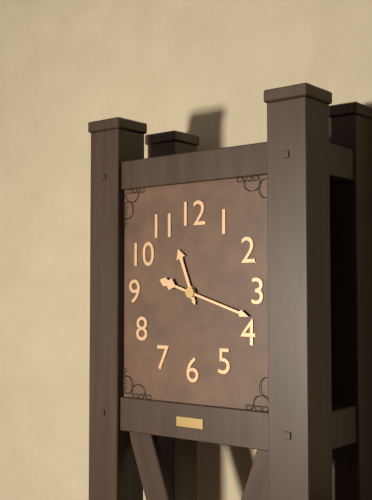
11.18
